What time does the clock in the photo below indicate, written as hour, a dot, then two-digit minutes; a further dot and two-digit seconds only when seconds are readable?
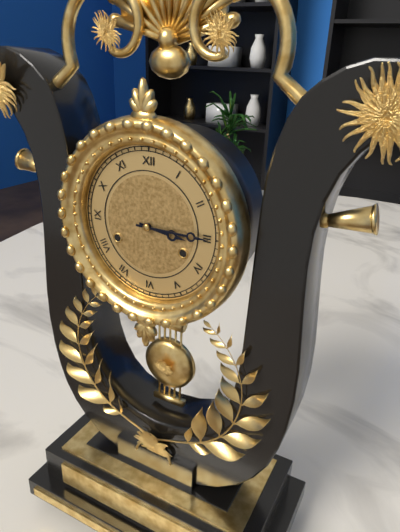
3.15
